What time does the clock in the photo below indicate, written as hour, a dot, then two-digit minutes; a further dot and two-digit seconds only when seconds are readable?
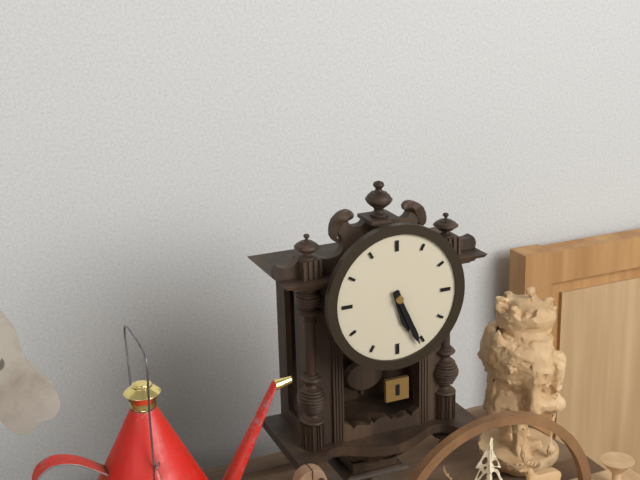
5.26
